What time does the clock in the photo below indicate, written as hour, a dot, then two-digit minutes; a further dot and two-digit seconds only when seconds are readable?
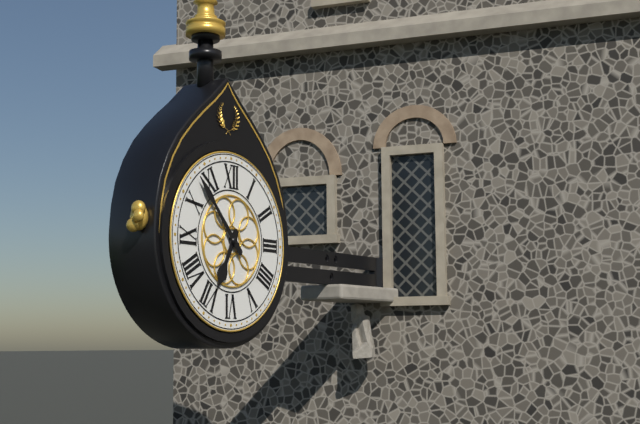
6.53
